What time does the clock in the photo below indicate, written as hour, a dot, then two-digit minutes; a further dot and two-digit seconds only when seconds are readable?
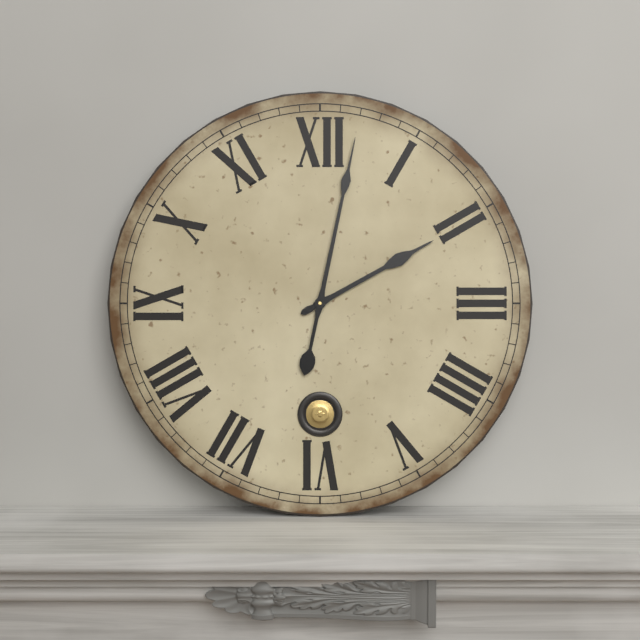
2.02
